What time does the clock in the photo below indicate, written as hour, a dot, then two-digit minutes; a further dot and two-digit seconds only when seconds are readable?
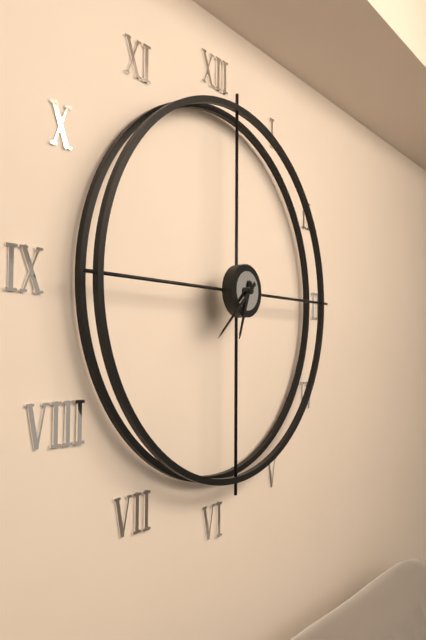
6.38
